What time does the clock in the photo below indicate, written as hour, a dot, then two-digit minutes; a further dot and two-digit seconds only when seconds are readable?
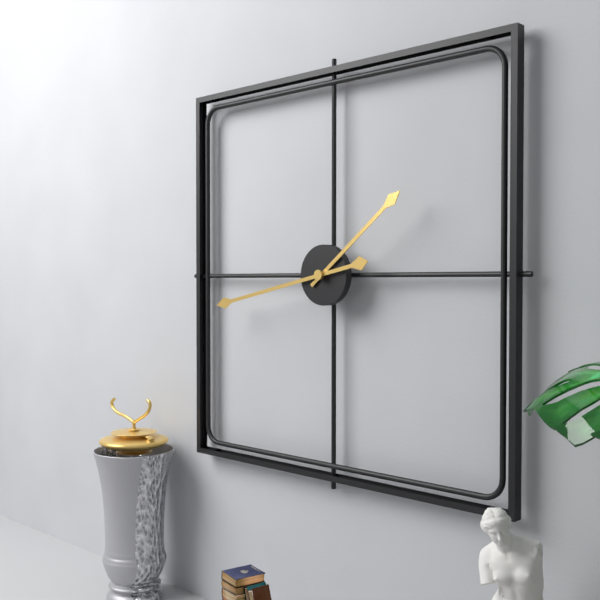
1.43
